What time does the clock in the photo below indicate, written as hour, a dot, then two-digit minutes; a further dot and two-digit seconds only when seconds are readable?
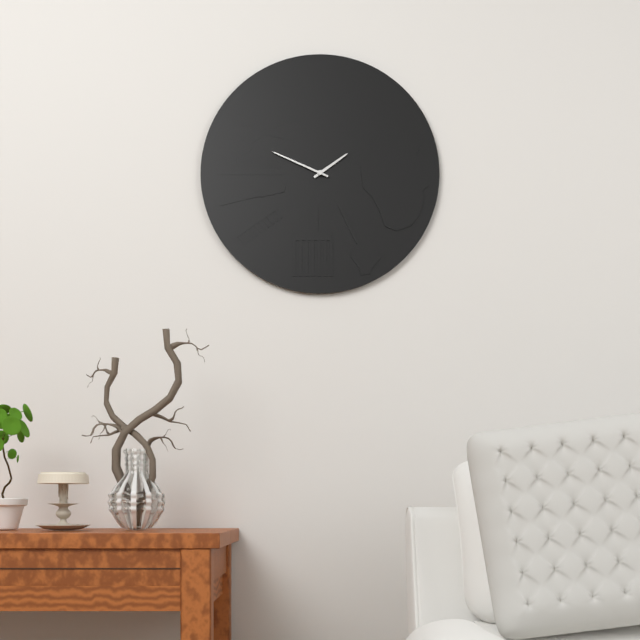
1.49
